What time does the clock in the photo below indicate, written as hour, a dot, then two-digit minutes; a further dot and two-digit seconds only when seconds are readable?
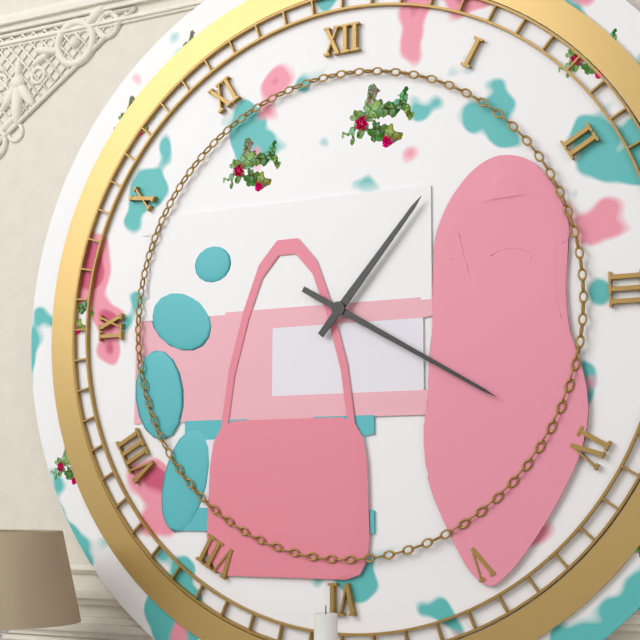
1.20
